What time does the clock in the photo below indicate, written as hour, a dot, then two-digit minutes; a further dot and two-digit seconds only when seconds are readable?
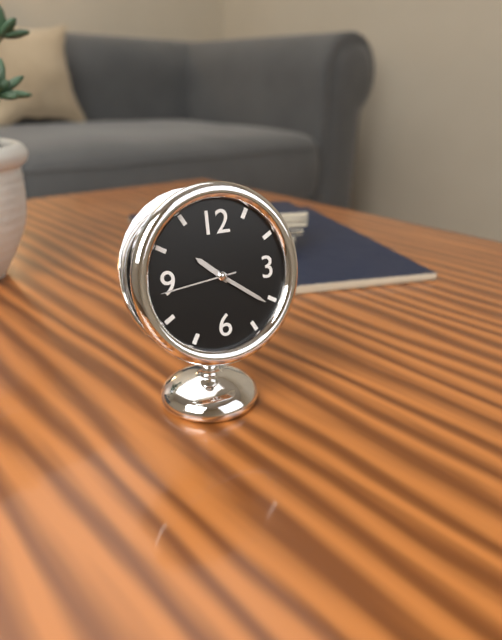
10.21.44
